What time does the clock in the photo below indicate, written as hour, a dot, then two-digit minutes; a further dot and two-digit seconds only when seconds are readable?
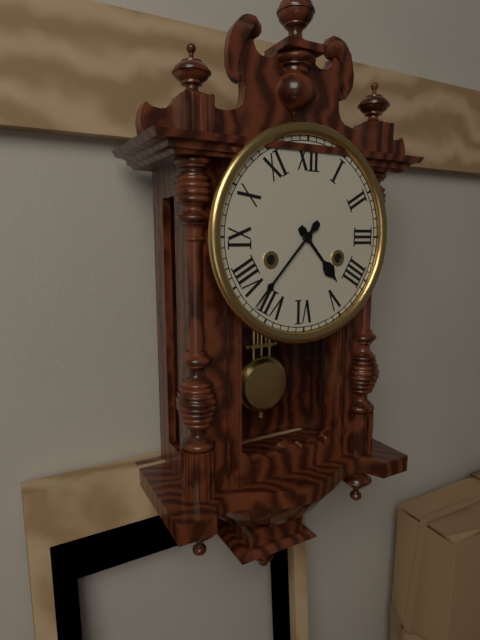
4.37
